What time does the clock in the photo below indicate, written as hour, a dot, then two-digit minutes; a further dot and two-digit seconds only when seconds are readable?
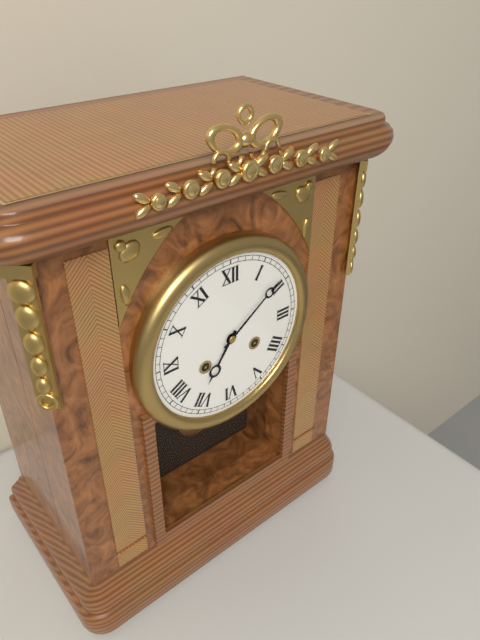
7.09
